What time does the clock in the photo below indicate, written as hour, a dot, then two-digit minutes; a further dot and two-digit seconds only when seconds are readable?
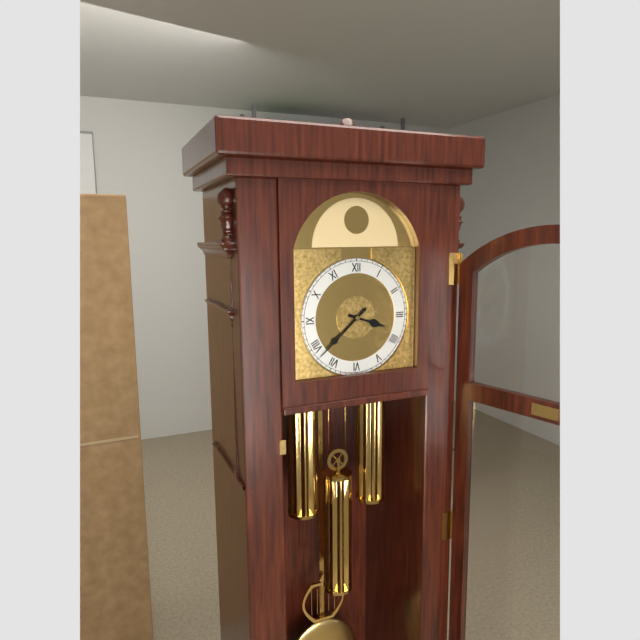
3.38
